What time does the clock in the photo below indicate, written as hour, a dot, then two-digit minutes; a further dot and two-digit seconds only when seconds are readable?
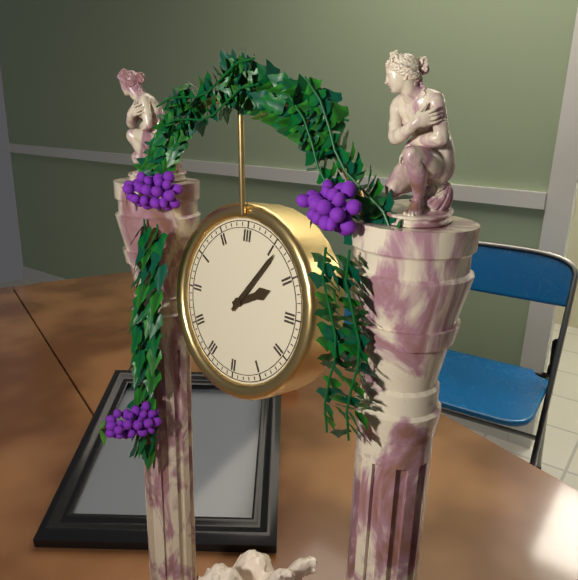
2.06
